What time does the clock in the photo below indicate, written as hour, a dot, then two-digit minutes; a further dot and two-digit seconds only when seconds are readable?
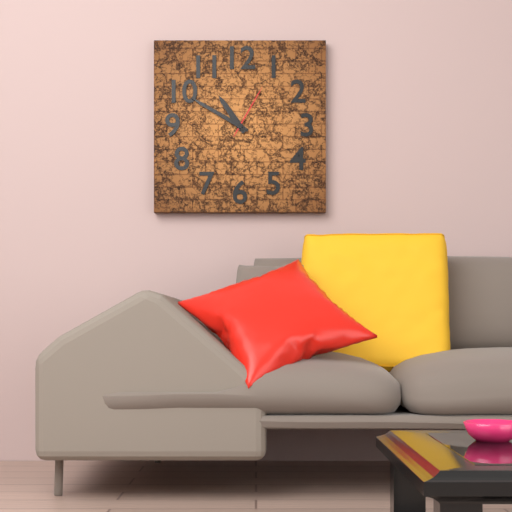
10.50.05
